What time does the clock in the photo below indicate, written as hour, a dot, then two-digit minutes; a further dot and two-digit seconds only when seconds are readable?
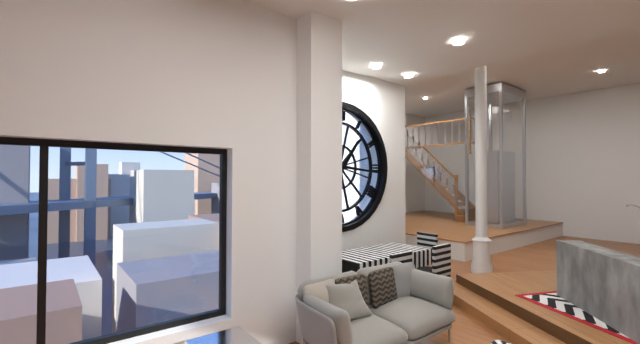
1.16
